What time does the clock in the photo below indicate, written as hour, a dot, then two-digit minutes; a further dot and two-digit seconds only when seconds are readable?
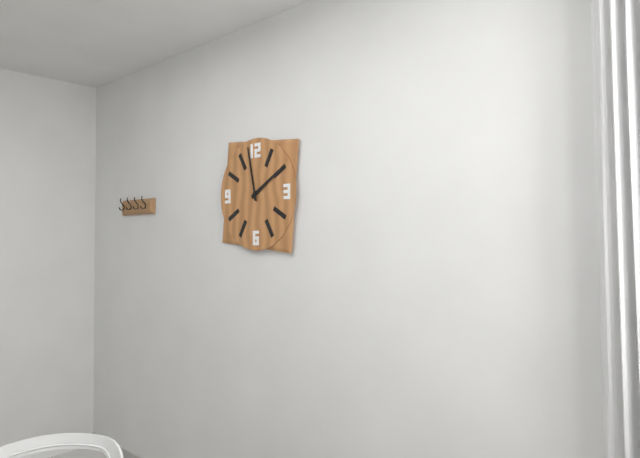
1.58
